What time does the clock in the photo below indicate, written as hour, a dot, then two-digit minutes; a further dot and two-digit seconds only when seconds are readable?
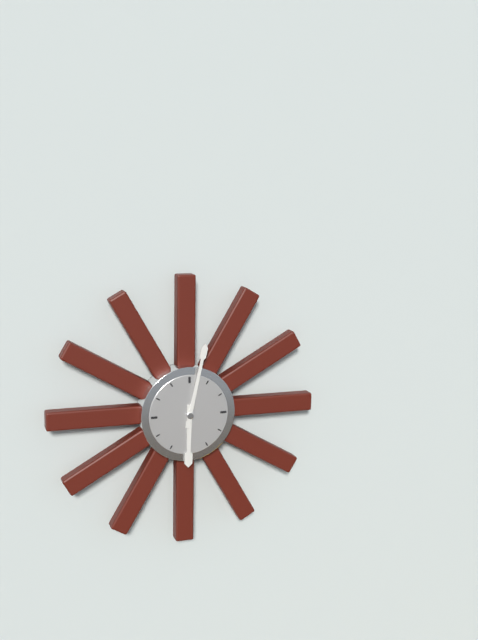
6.02
